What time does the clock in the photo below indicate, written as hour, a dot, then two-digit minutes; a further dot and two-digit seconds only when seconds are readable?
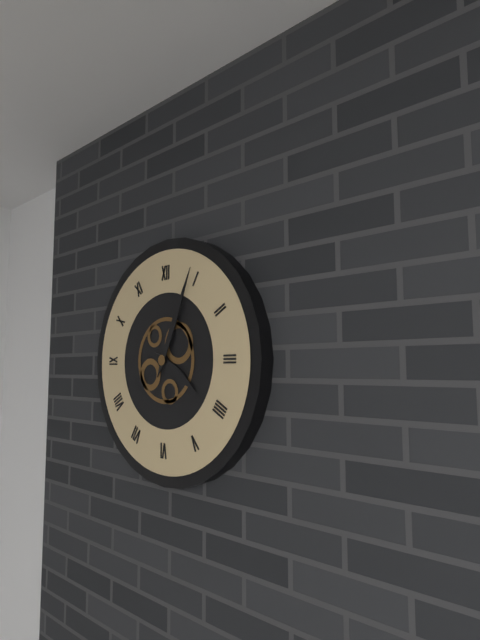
4.04
